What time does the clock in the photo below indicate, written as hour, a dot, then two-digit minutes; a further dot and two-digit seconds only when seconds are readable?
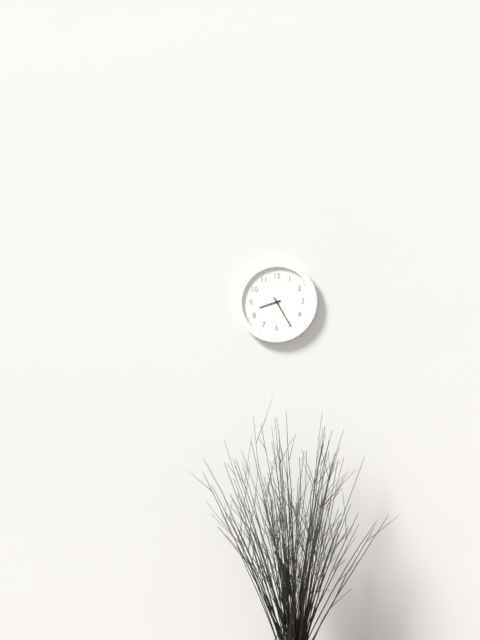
8.25
